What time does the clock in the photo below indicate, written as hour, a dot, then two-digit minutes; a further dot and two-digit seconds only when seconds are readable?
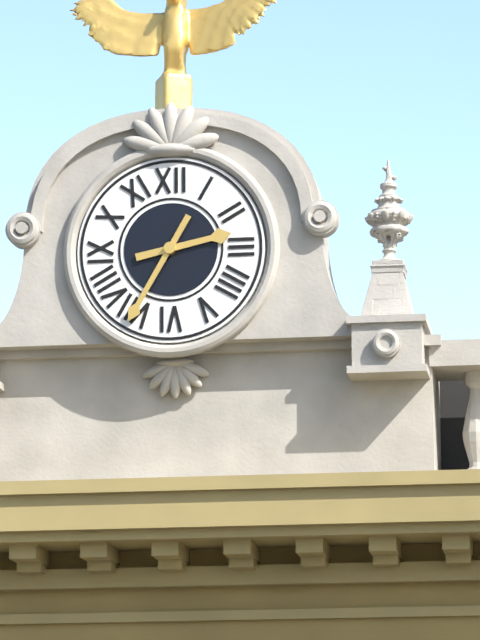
2.35
